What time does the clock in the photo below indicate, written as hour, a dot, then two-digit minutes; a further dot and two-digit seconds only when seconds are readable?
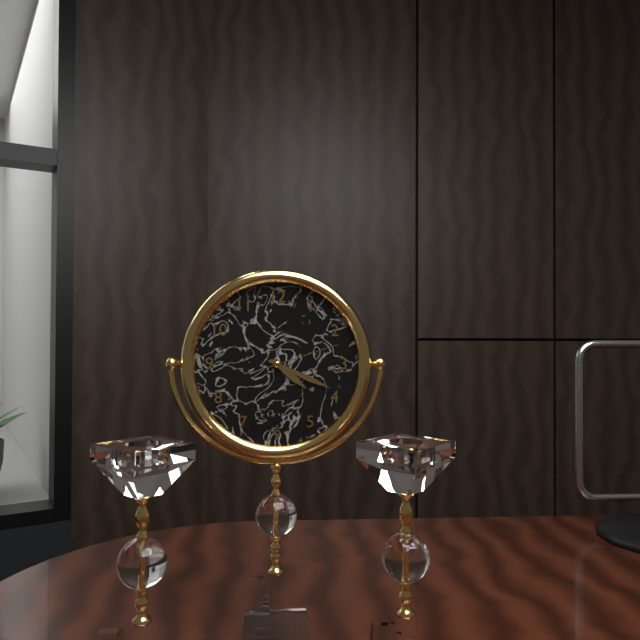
4.19.12
